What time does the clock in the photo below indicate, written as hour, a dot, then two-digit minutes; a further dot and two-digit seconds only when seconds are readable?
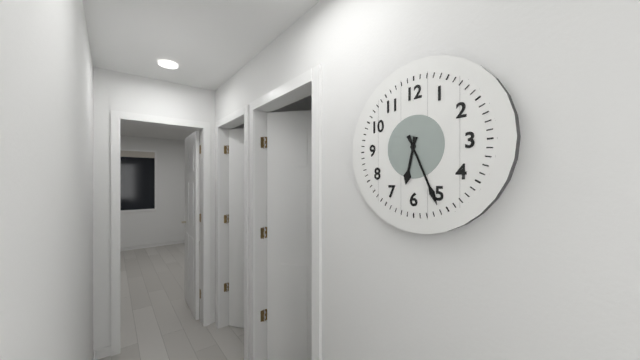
6.26
